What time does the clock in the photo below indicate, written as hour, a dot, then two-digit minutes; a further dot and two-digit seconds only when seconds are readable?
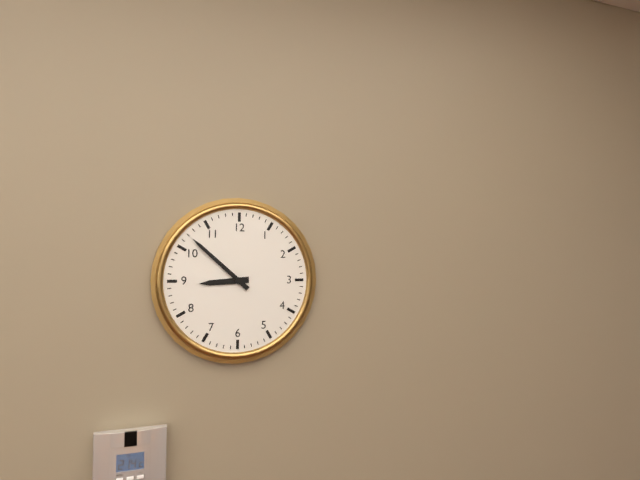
8.52
